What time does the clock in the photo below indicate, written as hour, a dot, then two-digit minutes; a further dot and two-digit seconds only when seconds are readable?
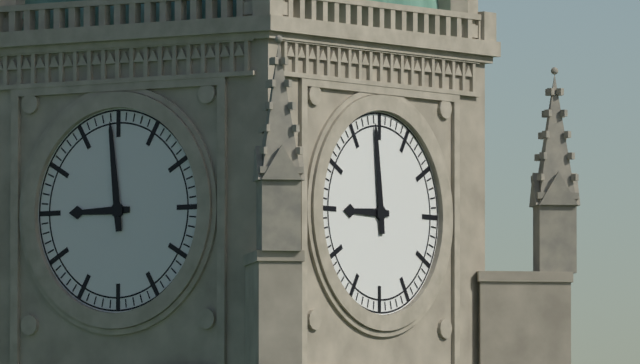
8.59
